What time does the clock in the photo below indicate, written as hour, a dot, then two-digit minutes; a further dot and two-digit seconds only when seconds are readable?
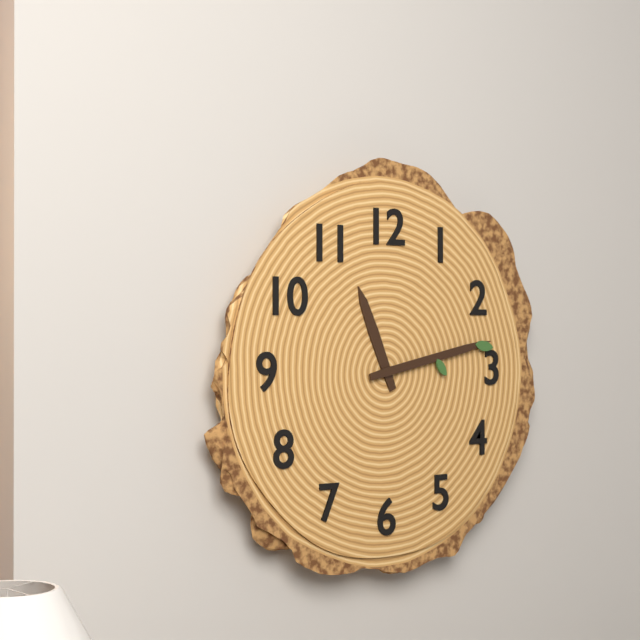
11.13
